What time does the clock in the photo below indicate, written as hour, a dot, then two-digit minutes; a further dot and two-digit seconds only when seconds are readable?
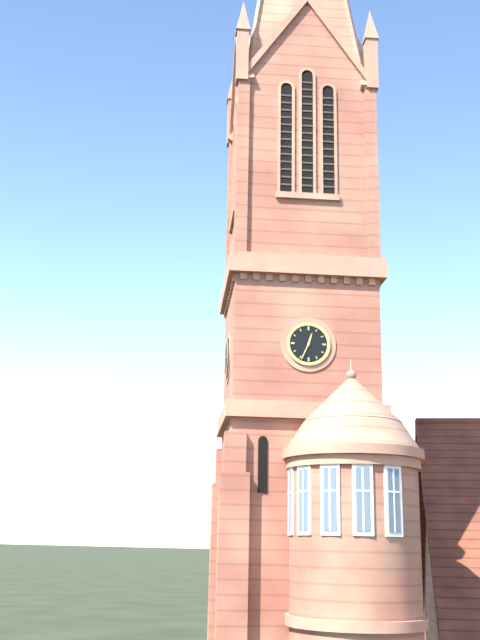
12.34
